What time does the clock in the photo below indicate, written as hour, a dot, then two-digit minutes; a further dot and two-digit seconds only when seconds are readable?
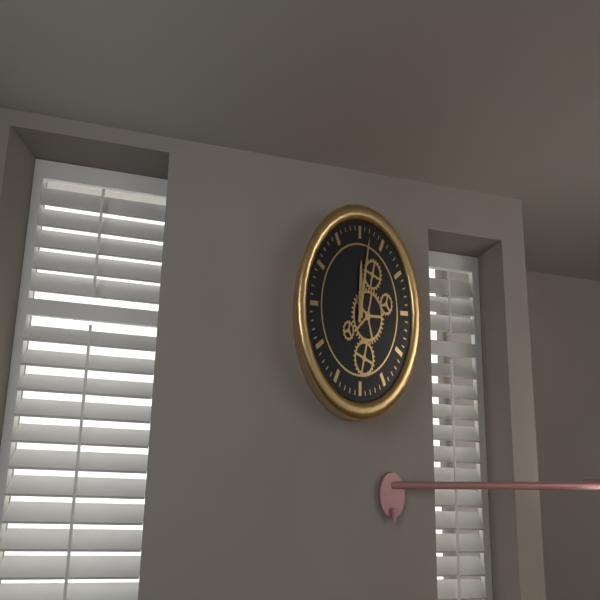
12.02
